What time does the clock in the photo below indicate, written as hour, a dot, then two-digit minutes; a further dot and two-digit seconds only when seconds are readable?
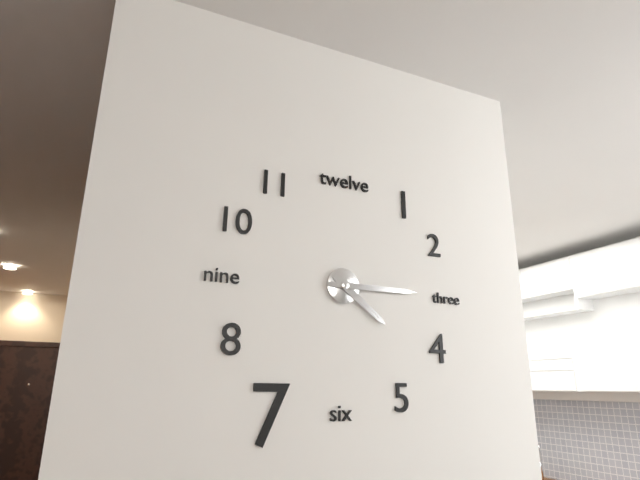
4.15
